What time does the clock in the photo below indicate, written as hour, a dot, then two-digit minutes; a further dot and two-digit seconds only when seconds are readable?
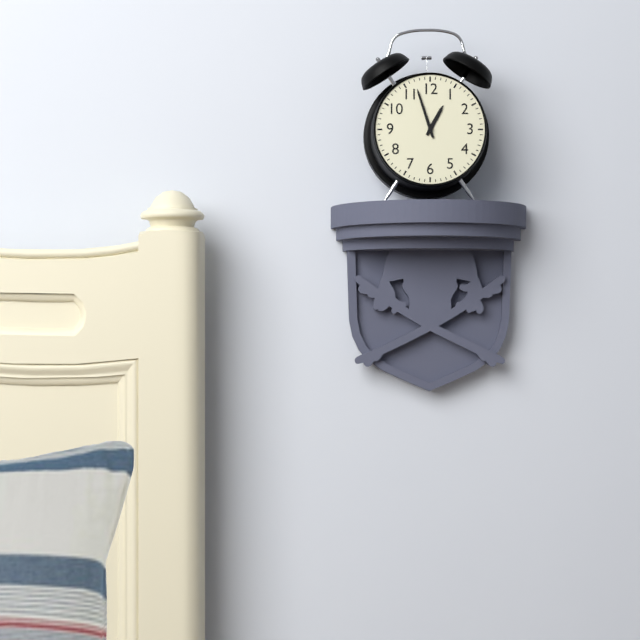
12.57
